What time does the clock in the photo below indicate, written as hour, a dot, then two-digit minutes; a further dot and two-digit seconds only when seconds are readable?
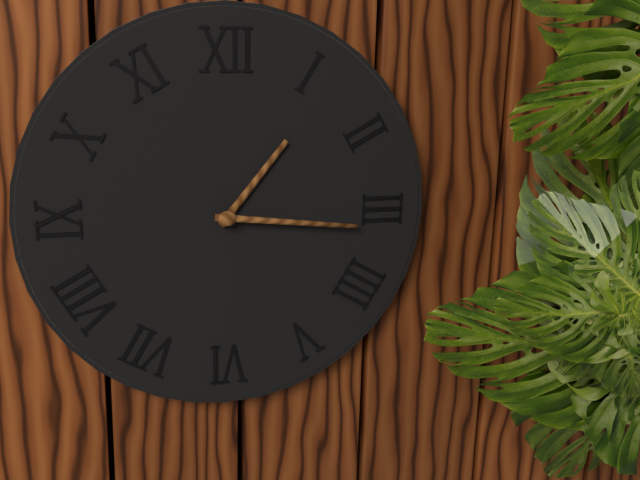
1.16
